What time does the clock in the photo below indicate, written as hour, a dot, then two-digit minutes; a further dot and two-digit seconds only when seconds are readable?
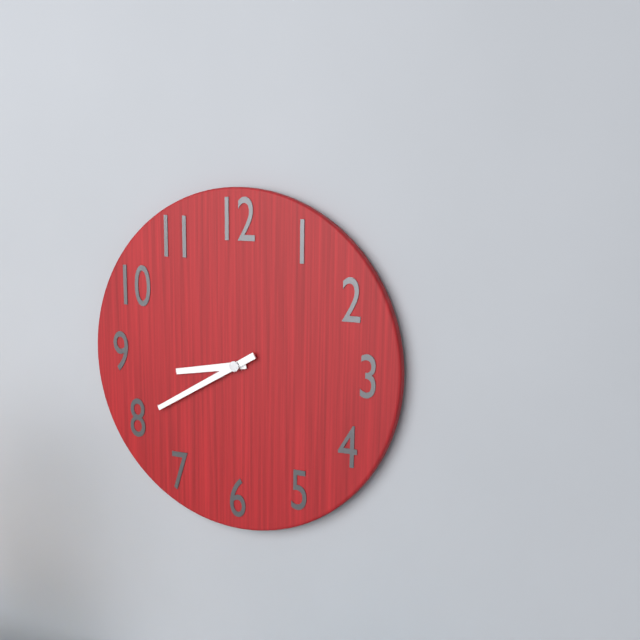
8.40
